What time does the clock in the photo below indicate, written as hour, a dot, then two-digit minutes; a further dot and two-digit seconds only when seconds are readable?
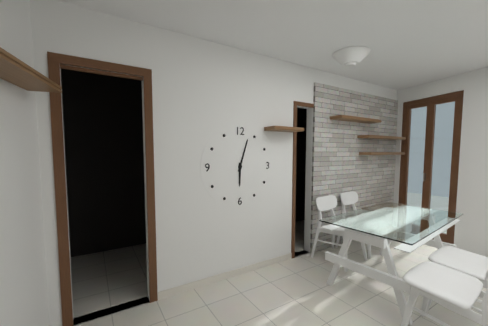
6.03
